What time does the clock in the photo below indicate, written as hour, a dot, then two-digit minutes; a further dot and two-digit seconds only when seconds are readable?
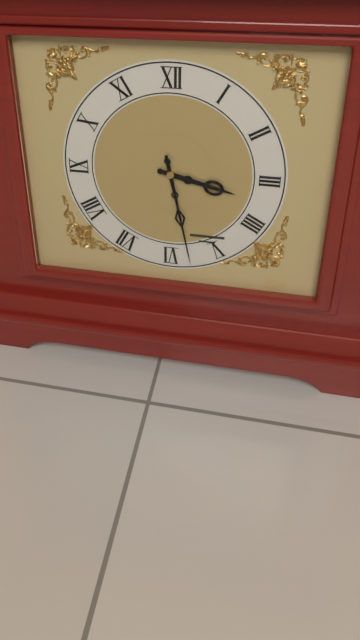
3.28
